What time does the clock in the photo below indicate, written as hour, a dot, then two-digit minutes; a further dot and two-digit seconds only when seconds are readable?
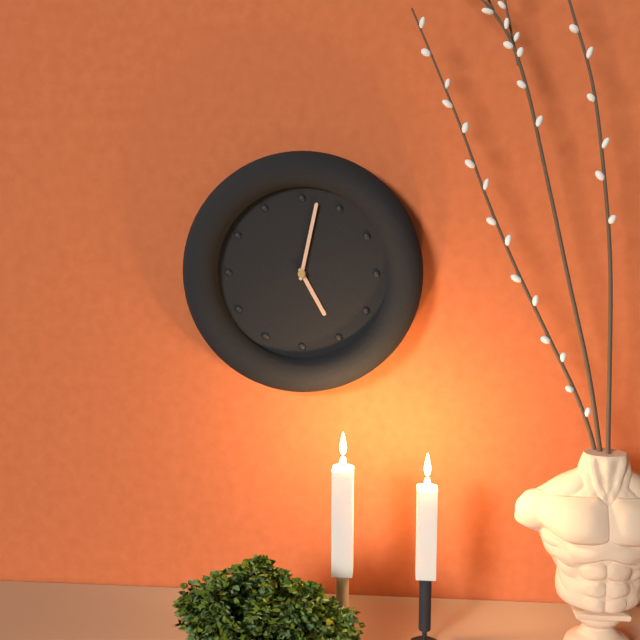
5.02
